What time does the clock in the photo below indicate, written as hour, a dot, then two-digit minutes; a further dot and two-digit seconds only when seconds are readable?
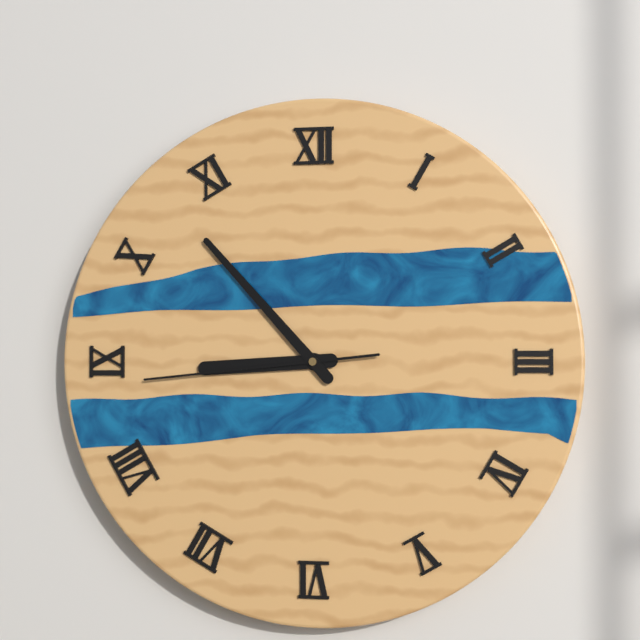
8.53.44
